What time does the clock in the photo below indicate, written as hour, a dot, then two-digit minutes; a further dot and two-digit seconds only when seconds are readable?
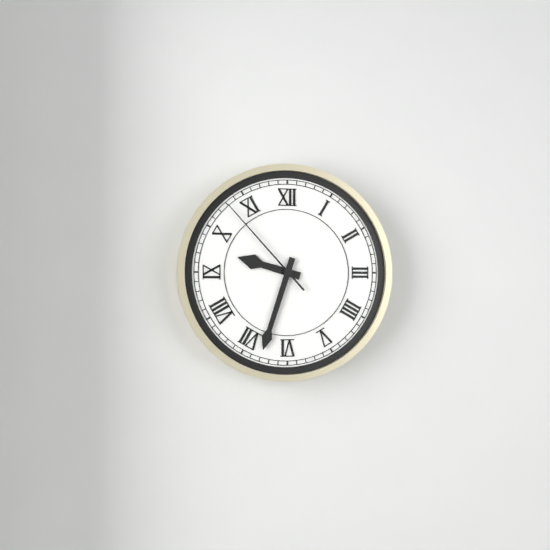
9.33.53
